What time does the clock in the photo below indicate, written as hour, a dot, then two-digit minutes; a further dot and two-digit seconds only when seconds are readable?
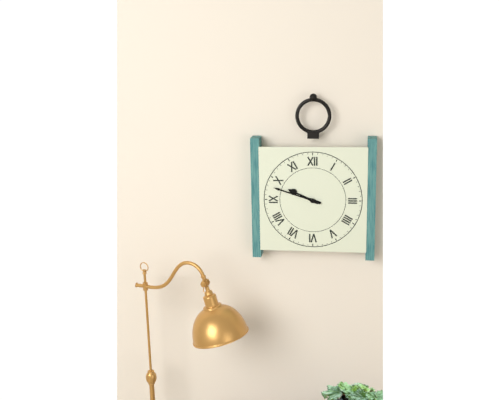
9.48
